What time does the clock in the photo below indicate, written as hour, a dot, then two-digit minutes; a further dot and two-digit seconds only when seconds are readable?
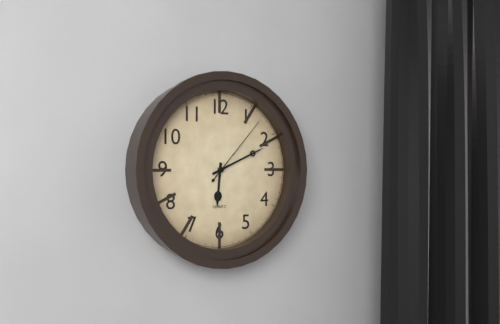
6.11.07
